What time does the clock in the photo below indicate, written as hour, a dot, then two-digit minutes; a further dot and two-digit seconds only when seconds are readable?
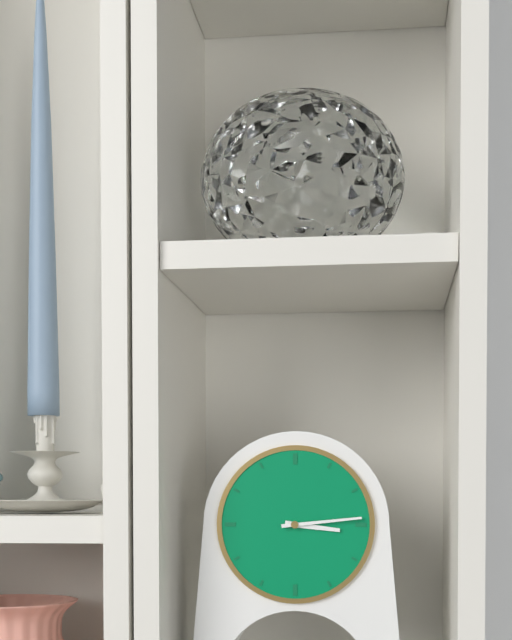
3.14
